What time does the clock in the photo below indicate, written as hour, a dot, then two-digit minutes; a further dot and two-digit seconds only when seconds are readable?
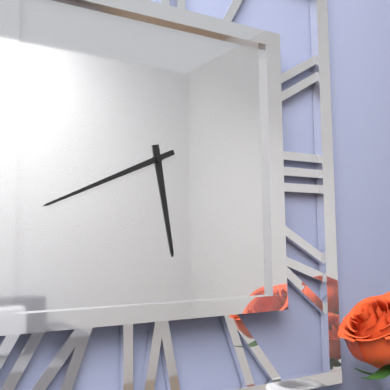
5.41
